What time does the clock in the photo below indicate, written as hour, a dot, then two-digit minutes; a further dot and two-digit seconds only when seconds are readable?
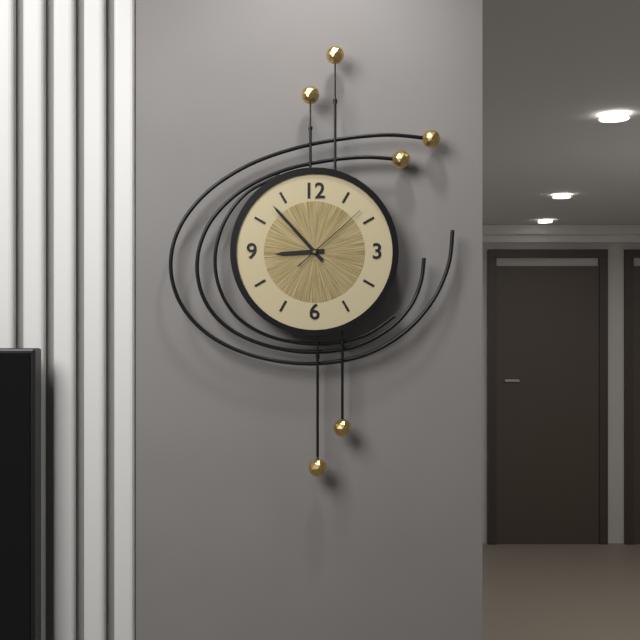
8.53.08
